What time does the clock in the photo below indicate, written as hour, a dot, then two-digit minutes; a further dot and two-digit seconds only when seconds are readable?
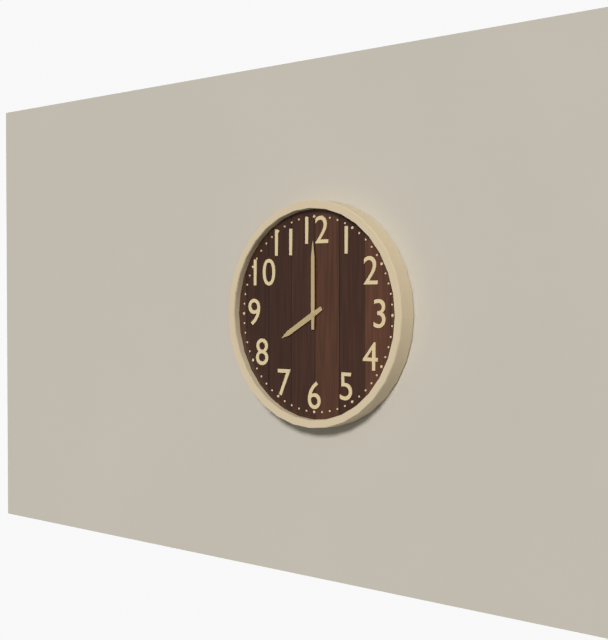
8.00
